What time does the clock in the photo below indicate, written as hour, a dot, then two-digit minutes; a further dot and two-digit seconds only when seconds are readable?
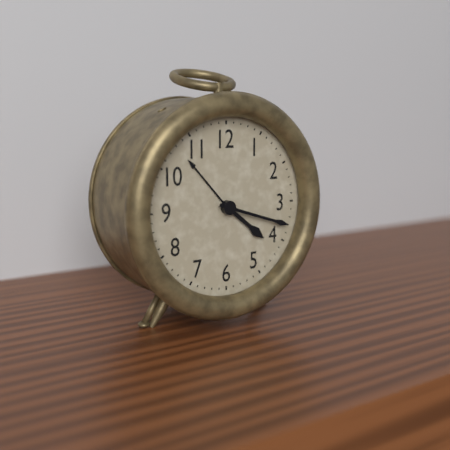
4.18
